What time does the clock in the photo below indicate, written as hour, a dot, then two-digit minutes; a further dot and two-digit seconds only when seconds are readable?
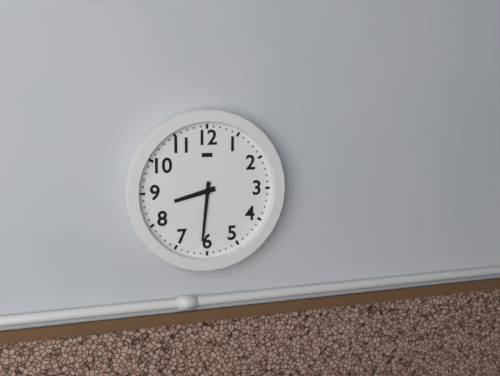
8.31
